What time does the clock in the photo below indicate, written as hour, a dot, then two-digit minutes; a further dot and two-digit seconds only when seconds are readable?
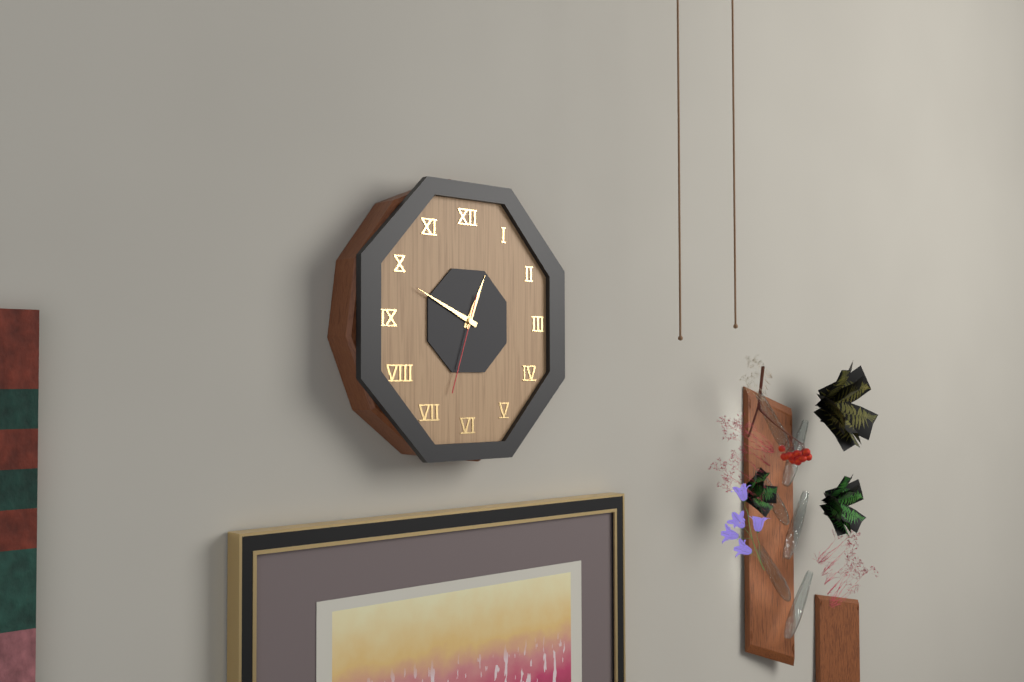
12.49.33
